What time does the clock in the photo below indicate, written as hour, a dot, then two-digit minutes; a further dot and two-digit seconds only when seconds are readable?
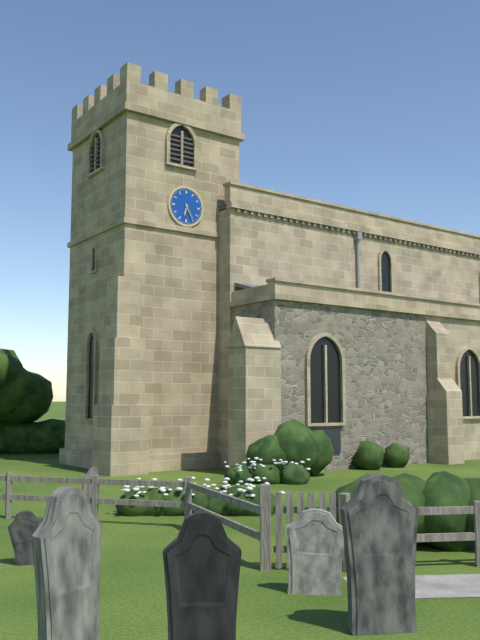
6.25
